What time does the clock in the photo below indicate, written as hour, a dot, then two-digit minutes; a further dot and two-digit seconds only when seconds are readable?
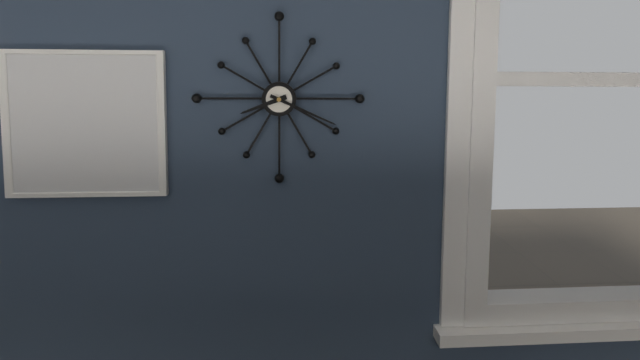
8.19
